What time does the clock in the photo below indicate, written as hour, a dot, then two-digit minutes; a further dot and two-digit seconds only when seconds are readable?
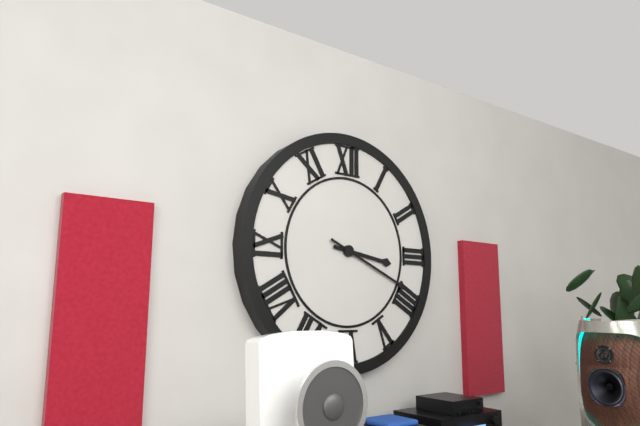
3.19
